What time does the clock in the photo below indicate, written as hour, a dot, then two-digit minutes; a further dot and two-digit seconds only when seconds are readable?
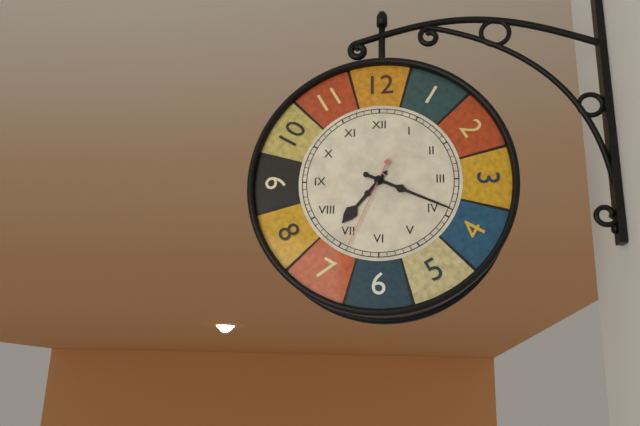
7.19.34
